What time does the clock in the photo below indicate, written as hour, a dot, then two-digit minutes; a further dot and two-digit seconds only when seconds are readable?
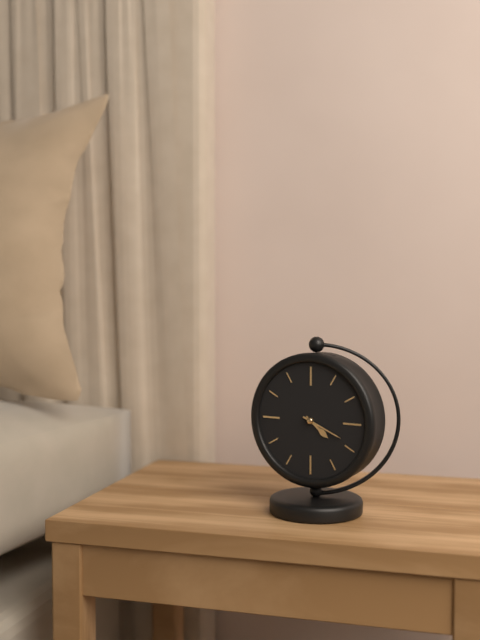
4.19
